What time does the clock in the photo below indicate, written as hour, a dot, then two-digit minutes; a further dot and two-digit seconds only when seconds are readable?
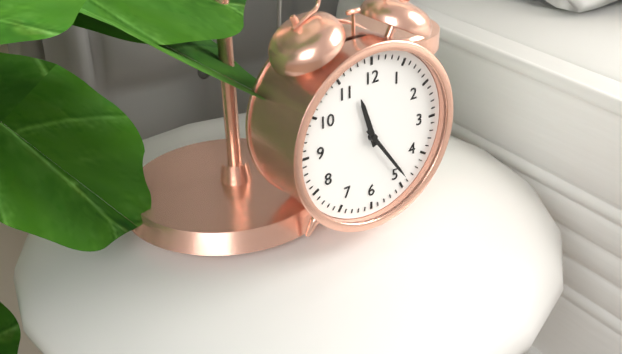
11.24
